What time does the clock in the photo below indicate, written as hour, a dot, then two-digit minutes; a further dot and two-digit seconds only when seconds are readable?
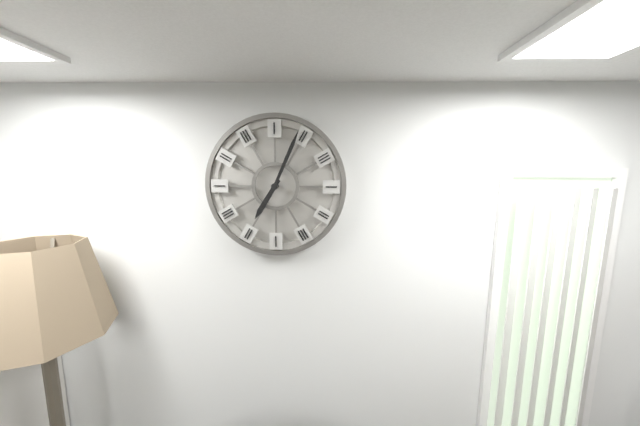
7.04
